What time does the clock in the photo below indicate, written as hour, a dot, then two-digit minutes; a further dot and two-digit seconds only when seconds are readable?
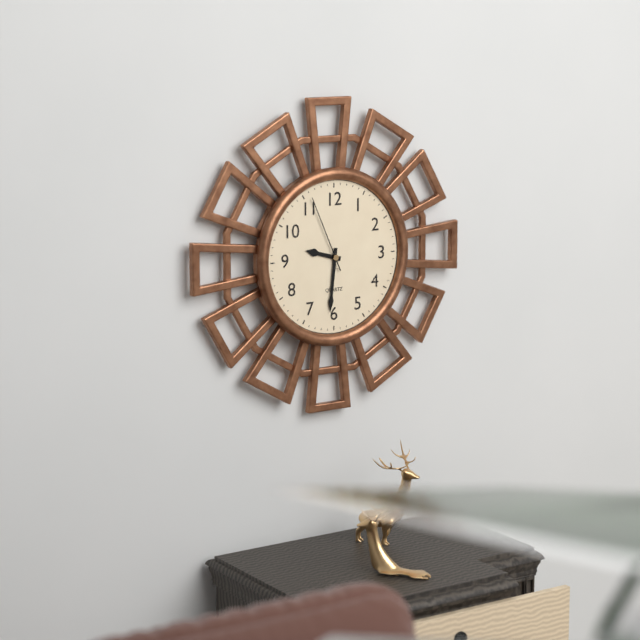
9.31.56
